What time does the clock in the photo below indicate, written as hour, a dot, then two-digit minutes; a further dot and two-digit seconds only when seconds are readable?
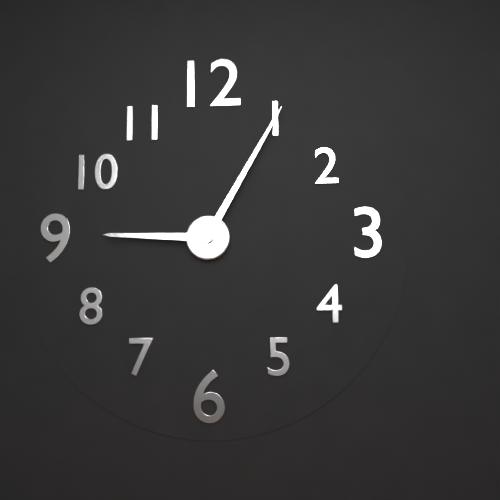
9.05
